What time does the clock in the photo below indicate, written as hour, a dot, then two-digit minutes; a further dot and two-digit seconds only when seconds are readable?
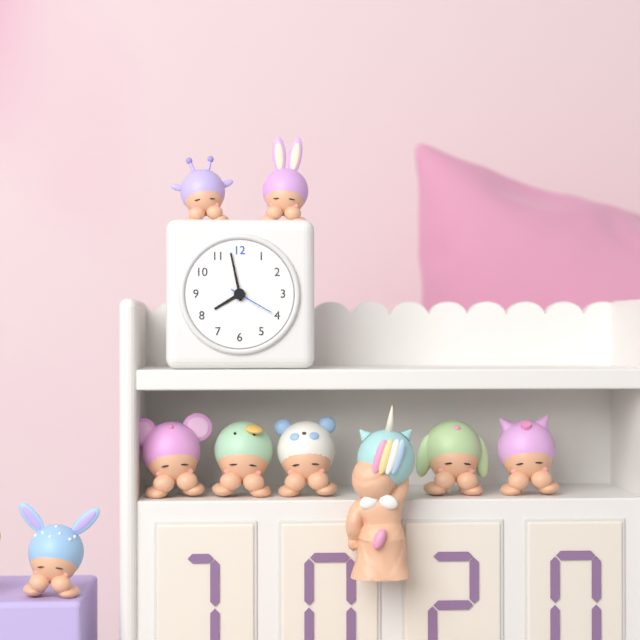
7.58
